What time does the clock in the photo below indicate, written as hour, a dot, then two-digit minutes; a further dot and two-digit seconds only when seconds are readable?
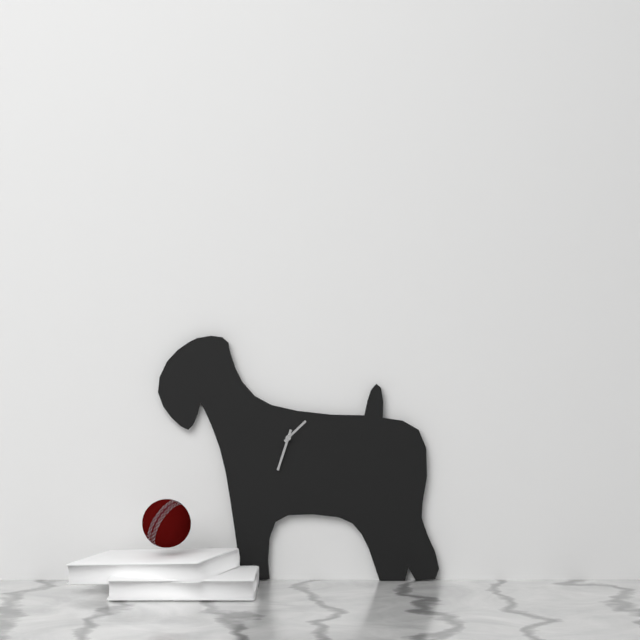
1.33
